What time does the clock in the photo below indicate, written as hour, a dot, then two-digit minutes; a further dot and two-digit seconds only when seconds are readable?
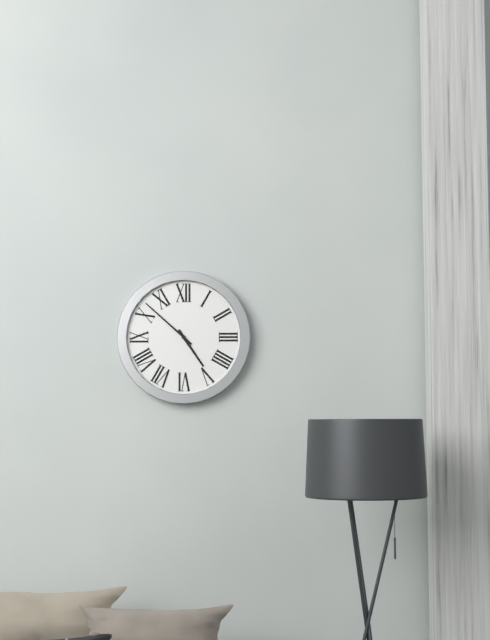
4.52
